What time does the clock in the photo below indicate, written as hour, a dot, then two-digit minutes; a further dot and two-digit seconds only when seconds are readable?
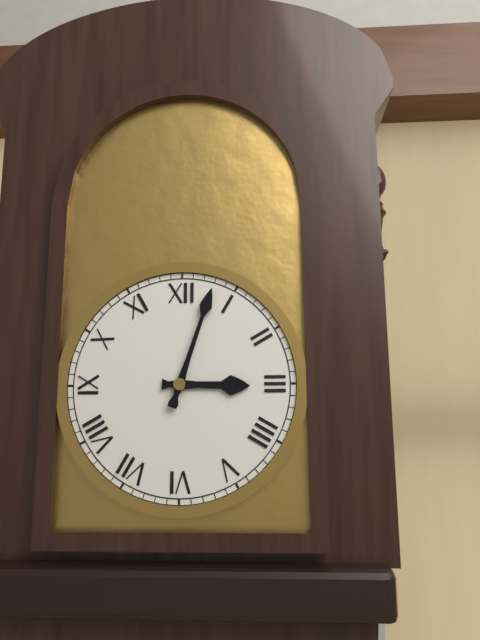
3.03
